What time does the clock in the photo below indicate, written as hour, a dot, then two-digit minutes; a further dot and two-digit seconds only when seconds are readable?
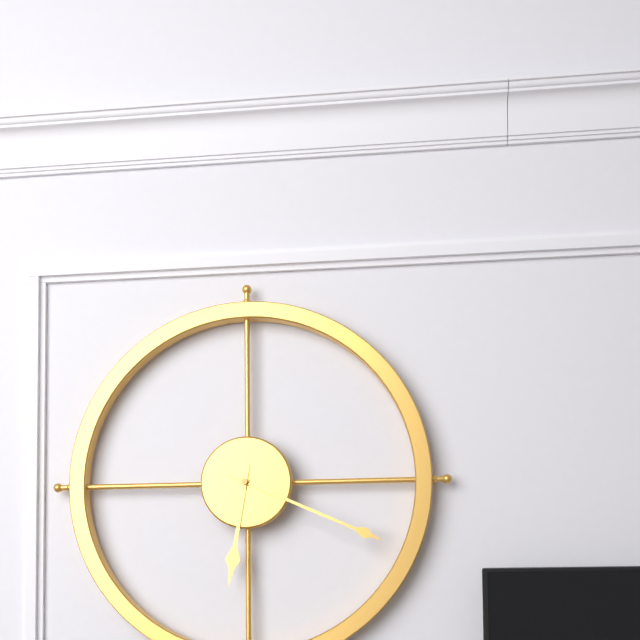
6.19
